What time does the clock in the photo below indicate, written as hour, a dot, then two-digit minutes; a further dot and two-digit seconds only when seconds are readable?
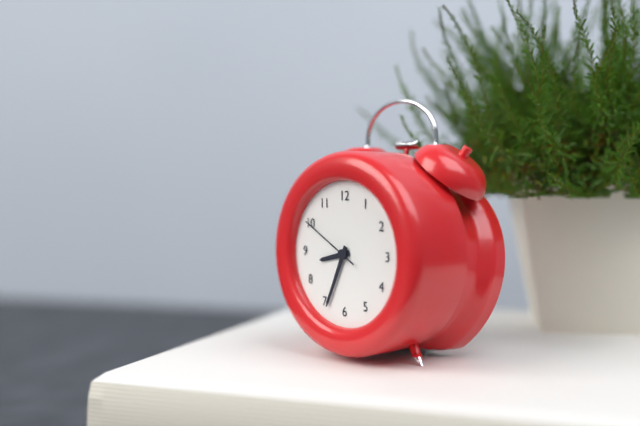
8.34.50
